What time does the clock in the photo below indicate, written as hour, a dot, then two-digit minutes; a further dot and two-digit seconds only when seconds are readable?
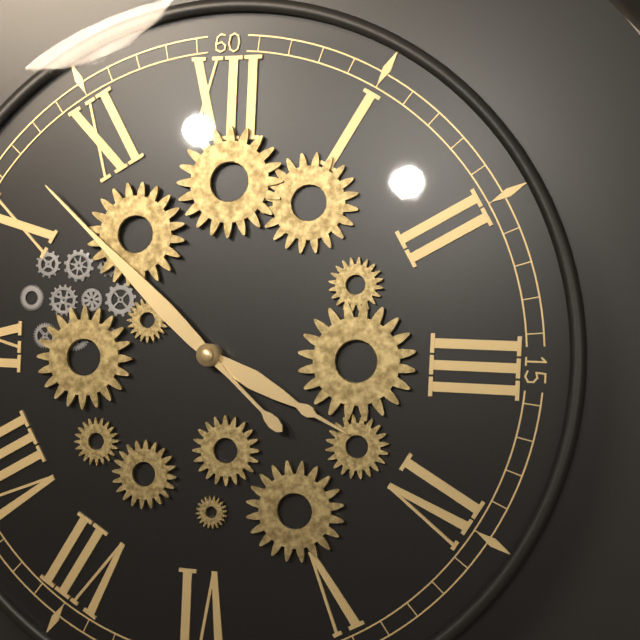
3.52
